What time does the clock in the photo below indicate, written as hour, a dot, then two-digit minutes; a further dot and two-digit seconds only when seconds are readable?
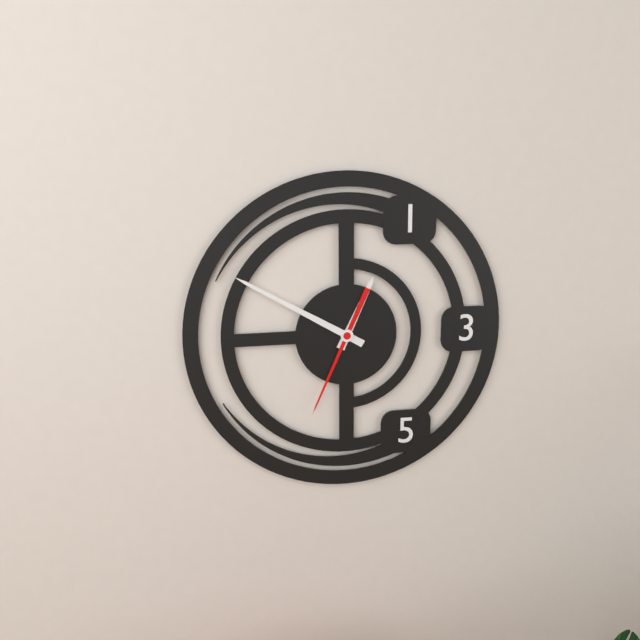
12.50.34
